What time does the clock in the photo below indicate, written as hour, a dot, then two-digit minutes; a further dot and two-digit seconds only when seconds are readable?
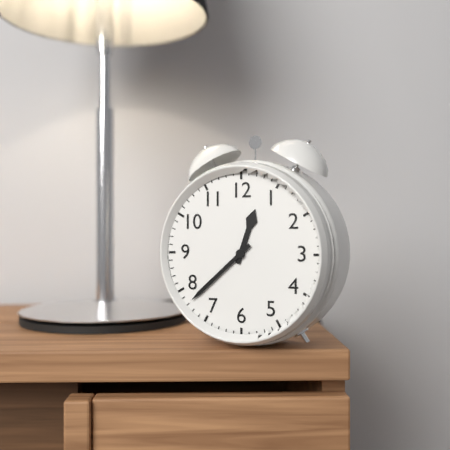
12.38
